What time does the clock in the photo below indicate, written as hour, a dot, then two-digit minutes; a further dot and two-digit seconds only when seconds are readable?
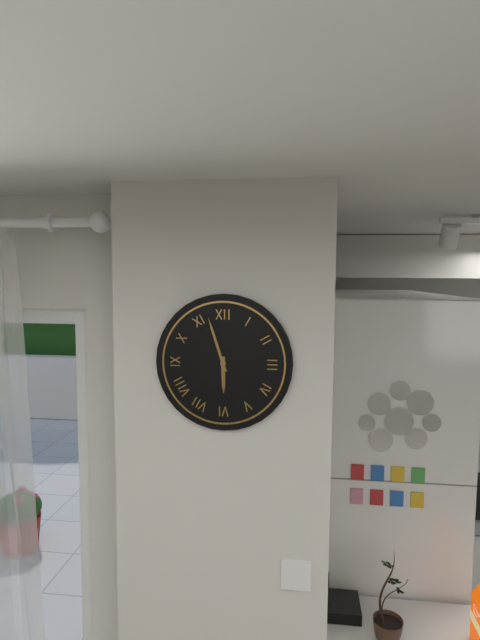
5.57
